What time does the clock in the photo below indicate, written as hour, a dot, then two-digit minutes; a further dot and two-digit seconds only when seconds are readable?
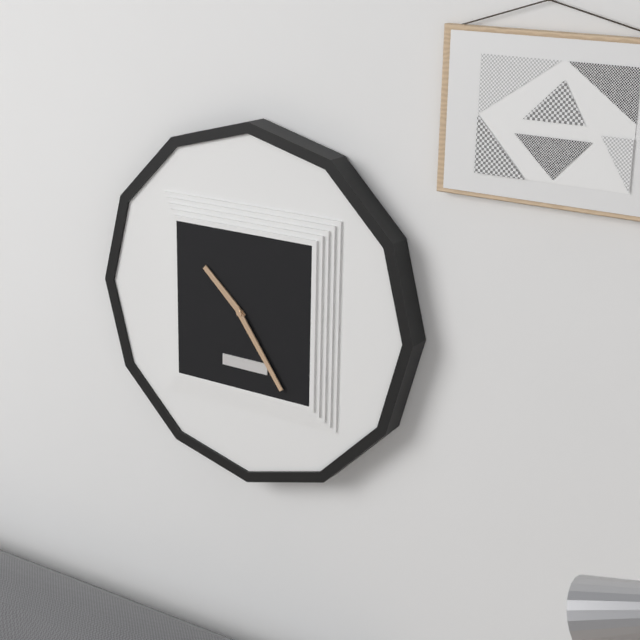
10.24
